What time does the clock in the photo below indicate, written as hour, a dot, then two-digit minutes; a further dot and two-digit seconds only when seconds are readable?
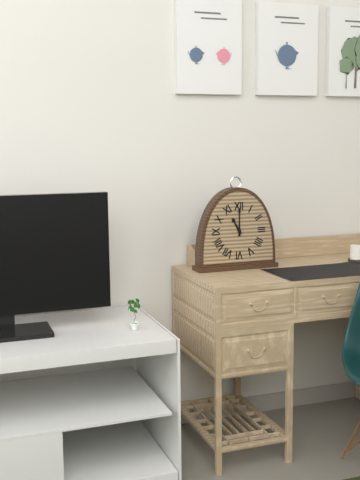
11.00
